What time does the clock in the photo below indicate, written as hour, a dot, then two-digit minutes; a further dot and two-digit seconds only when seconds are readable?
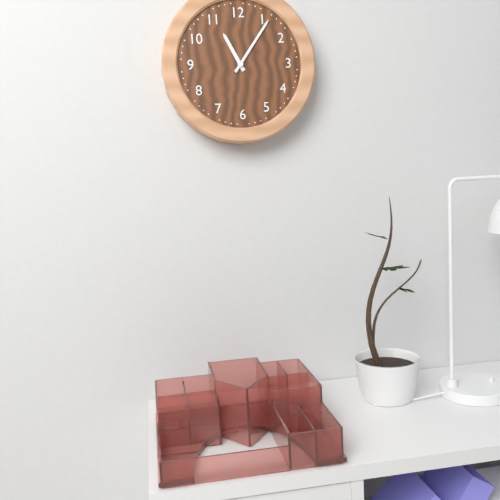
11.06
